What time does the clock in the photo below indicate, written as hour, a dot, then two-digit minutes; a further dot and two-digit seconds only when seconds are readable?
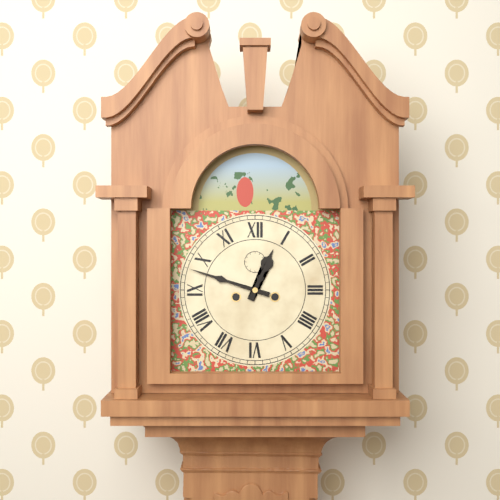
12.48
